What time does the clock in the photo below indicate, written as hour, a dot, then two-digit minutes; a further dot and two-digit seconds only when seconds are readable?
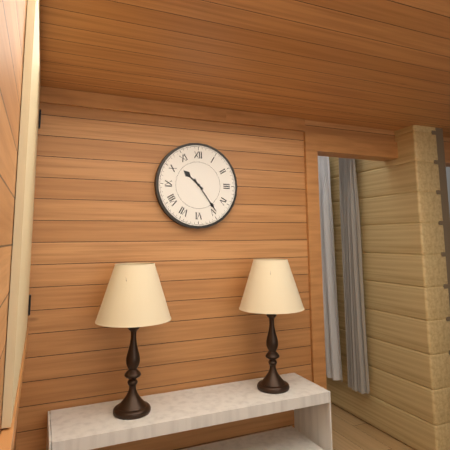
10.24
